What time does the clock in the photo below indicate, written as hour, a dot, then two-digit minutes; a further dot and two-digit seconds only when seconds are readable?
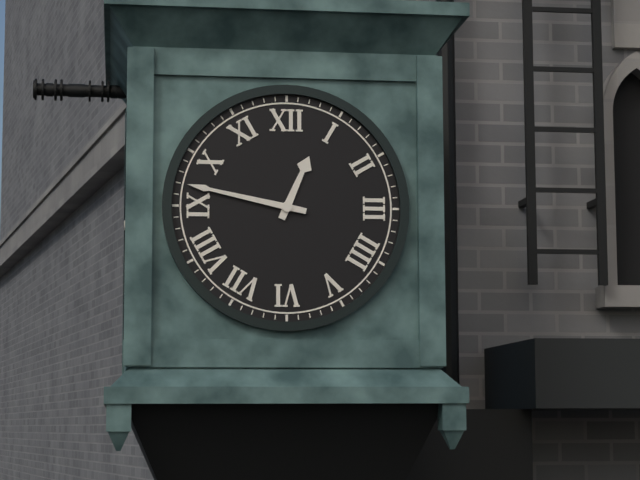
12.47
